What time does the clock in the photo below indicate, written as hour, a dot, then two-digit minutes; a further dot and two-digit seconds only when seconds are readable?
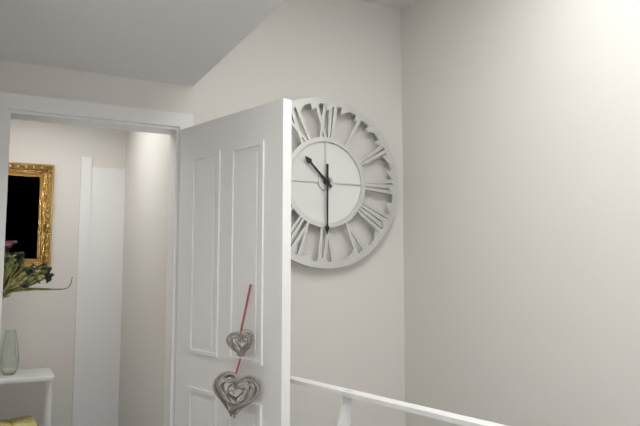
10.30
